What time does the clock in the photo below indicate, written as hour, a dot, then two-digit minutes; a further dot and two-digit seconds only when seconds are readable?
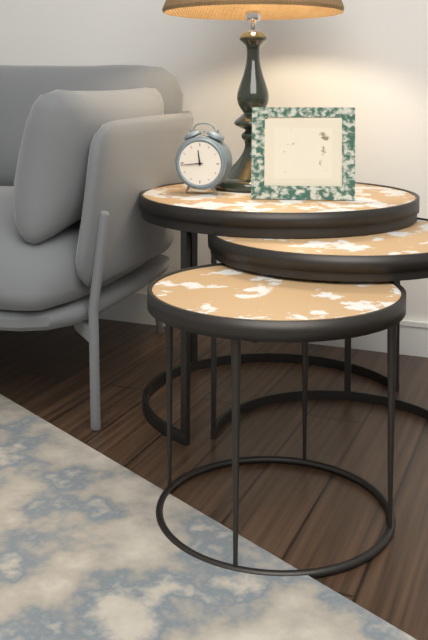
11.44
